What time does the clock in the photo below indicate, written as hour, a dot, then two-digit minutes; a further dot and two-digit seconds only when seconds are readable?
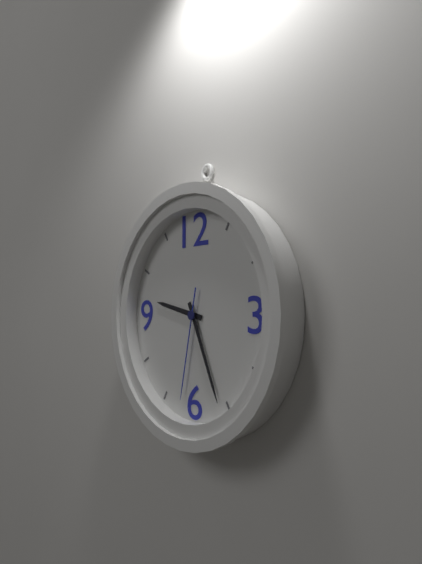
9.26.32
